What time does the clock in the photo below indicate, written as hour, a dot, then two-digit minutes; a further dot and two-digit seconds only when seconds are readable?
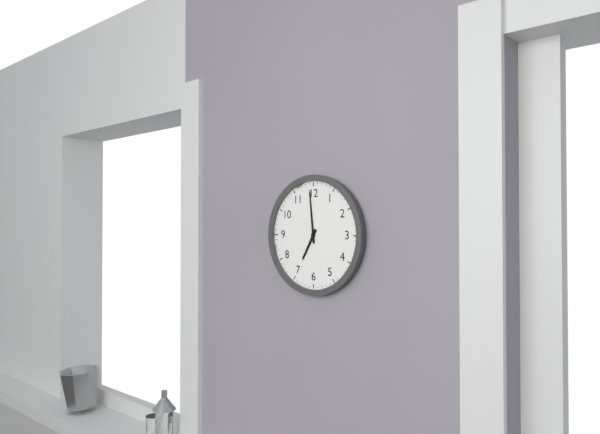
6.59
